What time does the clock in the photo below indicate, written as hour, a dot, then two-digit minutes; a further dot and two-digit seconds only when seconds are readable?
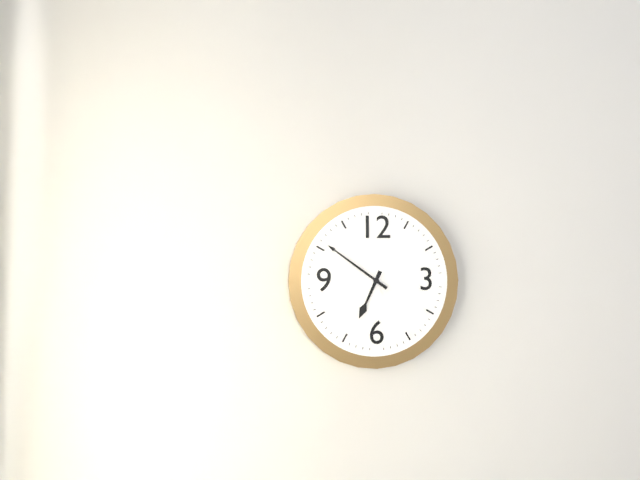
6.51
